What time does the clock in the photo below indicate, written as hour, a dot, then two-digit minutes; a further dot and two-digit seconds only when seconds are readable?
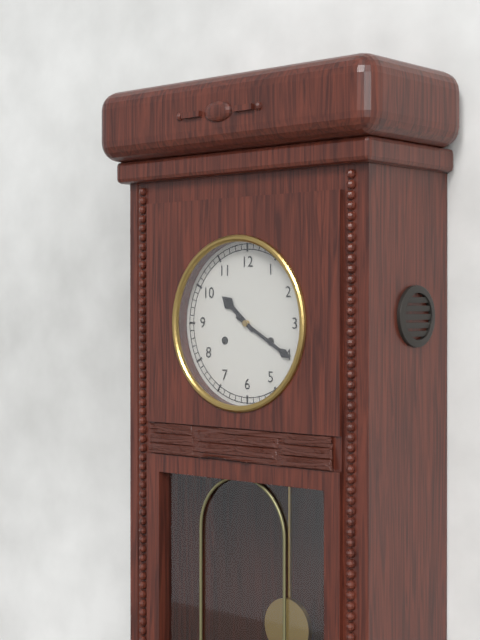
10.20
